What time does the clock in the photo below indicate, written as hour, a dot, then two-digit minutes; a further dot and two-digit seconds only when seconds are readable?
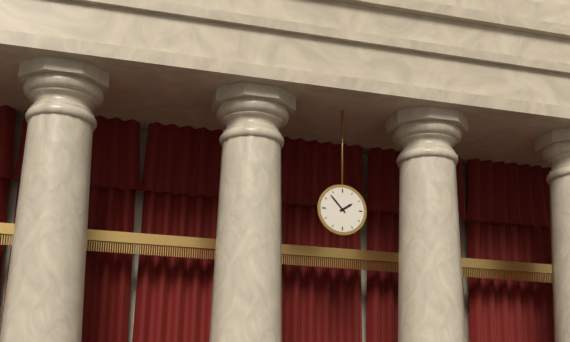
1.53
